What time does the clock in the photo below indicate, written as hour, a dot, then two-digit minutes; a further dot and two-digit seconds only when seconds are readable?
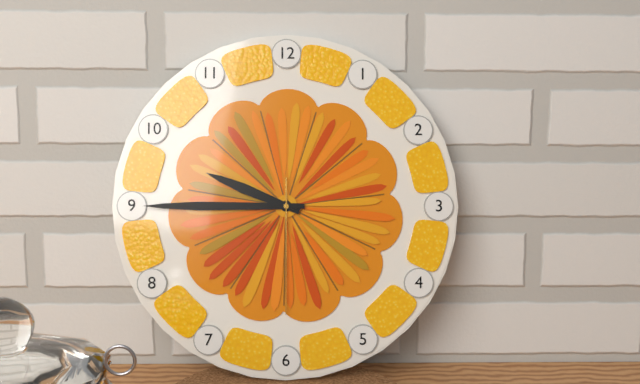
9.45.30
